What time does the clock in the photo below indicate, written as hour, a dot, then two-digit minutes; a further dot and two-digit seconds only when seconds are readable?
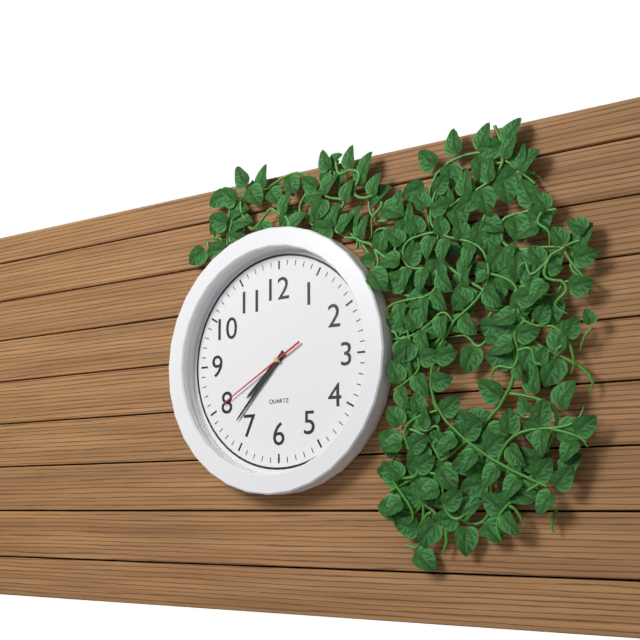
7.37.40
